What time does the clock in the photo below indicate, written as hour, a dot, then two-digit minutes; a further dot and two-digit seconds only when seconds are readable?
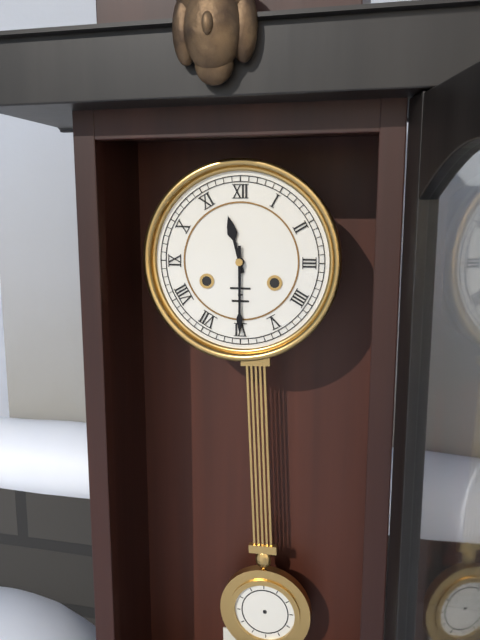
11.30
